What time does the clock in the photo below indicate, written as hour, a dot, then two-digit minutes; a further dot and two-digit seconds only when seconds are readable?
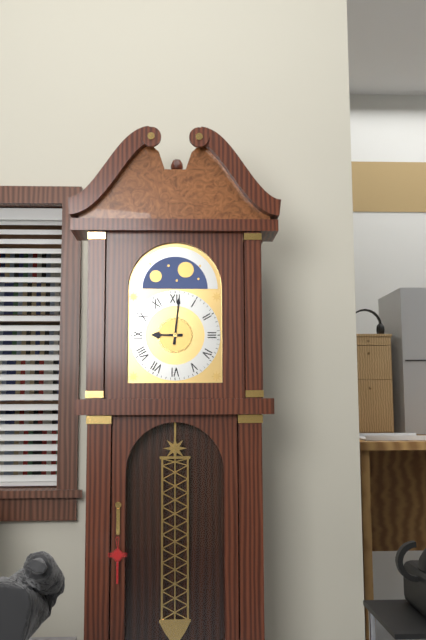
9.01
